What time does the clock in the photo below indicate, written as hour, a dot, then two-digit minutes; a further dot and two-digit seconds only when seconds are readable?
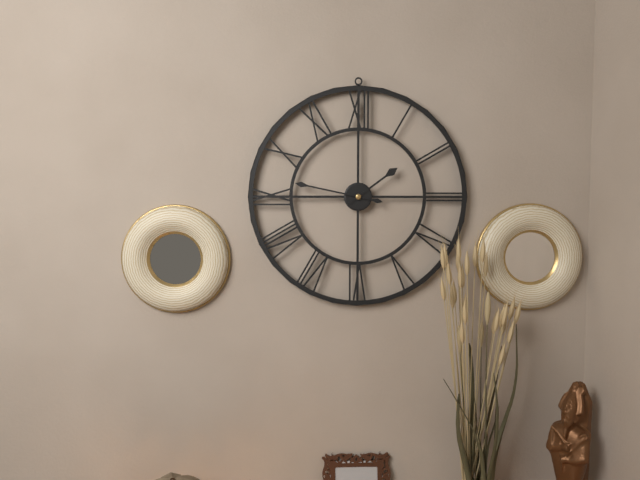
1.47
